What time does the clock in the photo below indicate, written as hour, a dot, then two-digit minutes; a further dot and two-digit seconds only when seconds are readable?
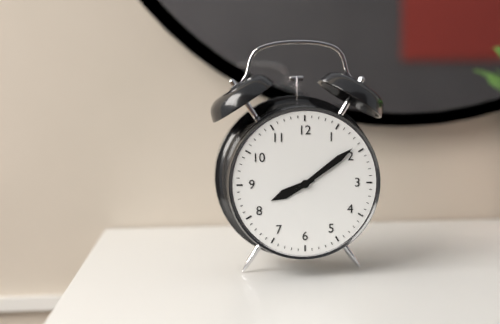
8.09
